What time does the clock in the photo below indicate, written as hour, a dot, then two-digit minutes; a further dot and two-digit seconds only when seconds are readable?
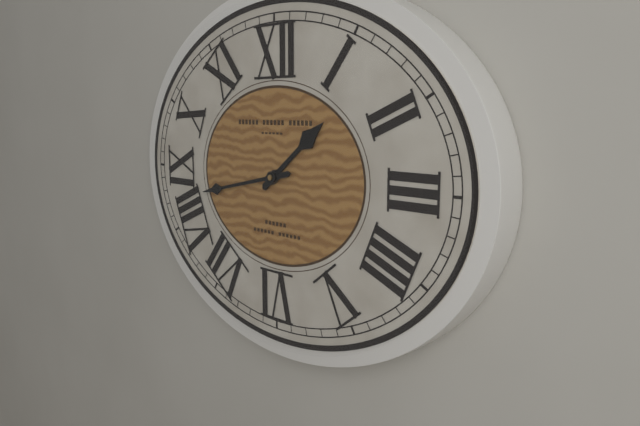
1.43
